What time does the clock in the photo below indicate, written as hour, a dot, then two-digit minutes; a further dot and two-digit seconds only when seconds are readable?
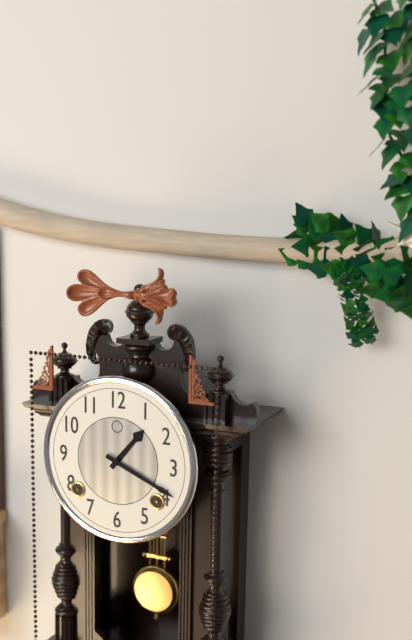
1.19
